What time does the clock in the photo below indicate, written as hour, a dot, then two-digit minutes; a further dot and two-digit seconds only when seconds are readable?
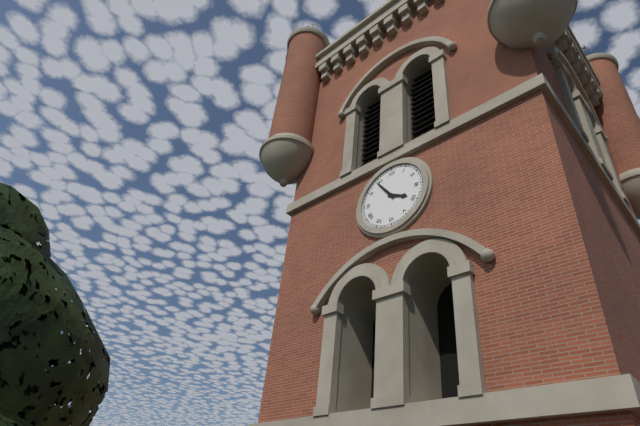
3.54
